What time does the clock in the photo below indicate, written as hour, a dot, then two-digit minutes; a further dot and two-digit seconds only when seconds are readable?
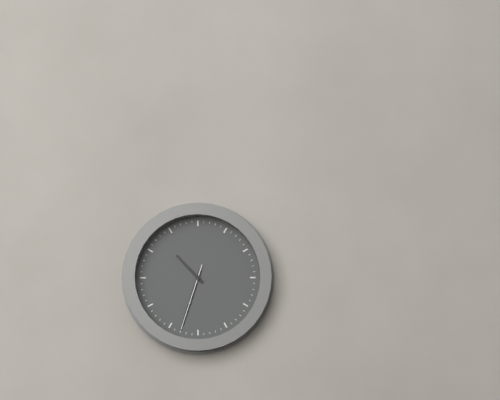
10.33.33
